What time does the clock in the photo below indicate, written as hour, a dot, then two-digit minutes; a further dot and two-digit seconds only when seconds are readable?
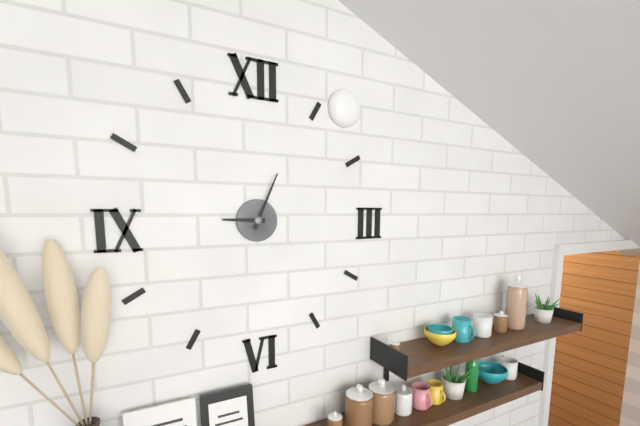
9.04
